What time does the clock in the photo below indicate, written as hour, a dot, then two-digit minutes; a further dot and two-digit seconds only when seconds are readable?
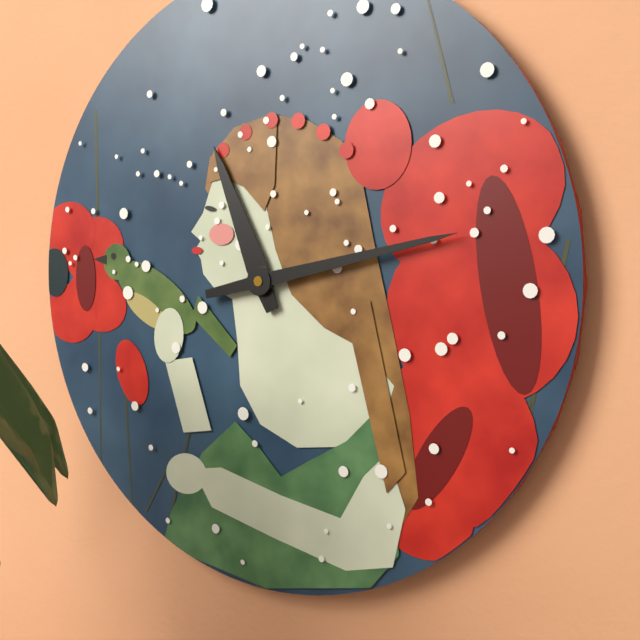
11.13
